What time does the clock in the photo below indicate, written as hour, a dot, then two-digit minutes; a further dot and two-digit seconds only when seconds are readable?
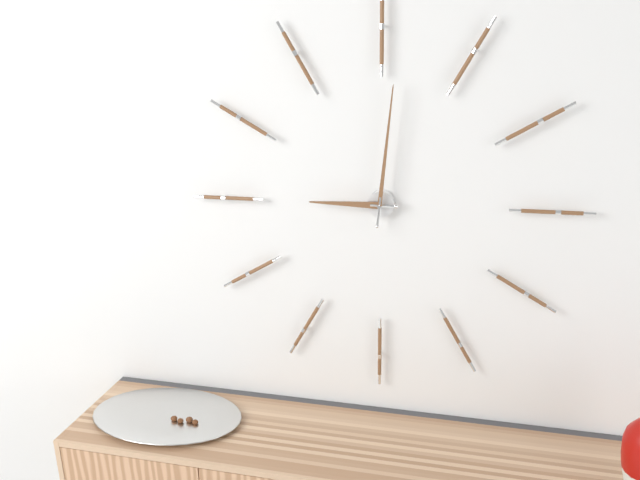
9.01
